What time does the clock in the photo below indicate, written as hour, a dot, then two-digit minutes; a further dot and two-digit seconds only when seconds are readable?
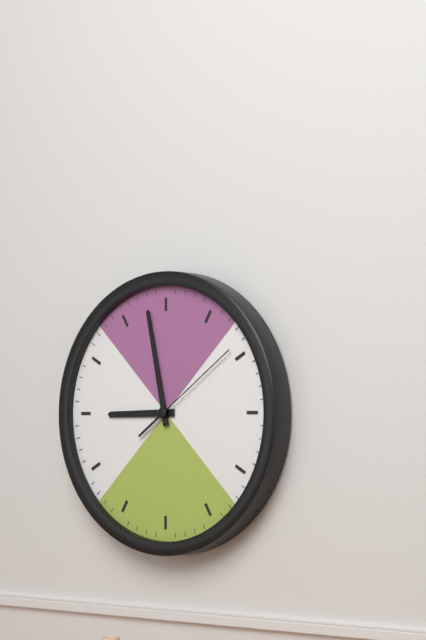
8.58.09
